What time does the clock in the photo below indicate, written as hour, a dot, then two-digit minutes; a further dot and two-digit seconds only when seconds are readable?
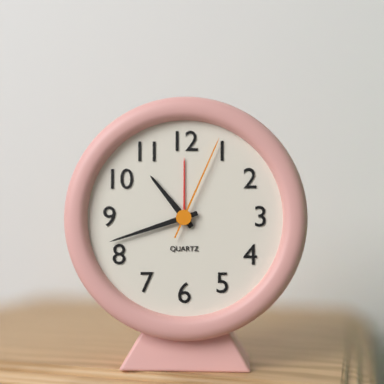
10.42.04
